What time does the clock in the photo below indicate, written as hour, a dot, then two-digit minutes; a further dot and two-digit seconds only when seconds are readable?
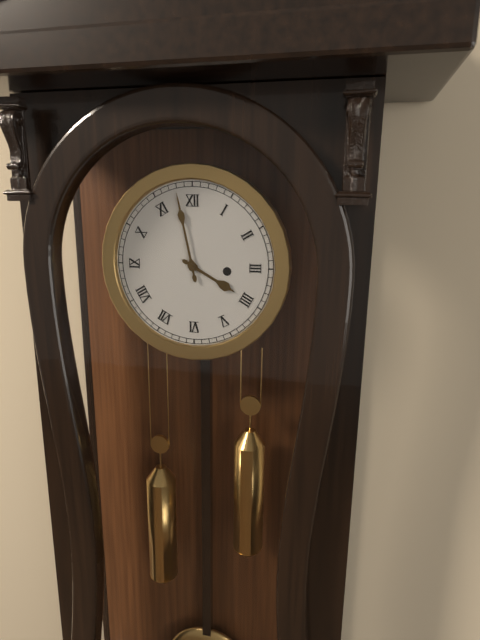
3.58
